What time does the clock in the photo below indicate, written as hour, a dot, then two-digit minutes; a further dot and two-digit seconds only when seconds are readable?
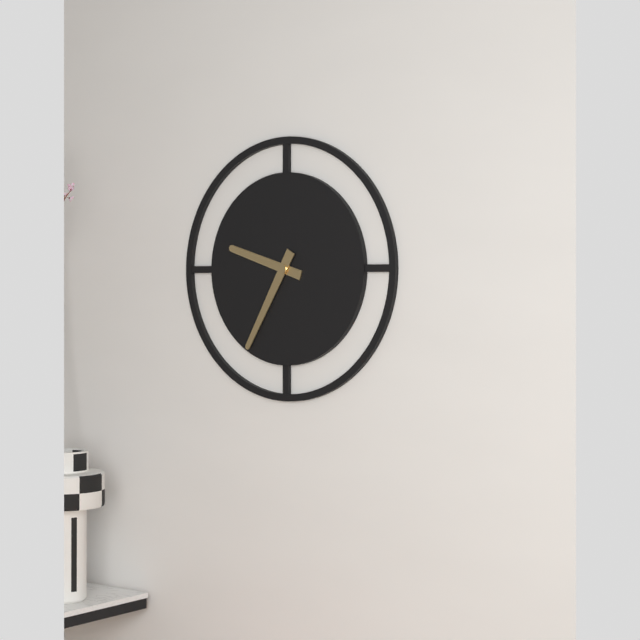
9.35
